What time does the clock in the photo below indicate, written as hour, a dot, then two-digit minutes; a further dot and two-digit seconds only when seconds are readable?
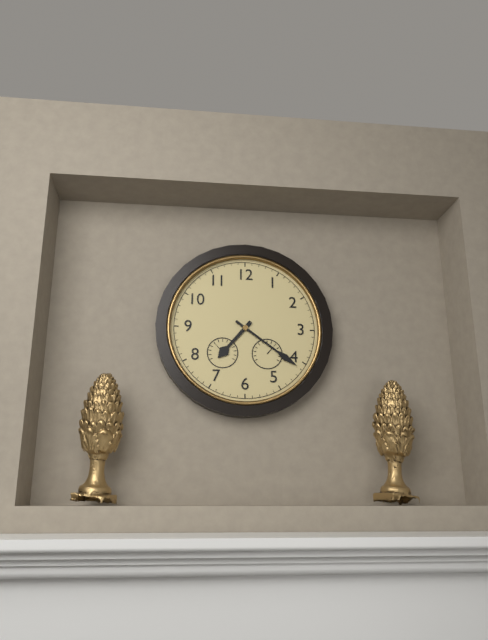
7.21
